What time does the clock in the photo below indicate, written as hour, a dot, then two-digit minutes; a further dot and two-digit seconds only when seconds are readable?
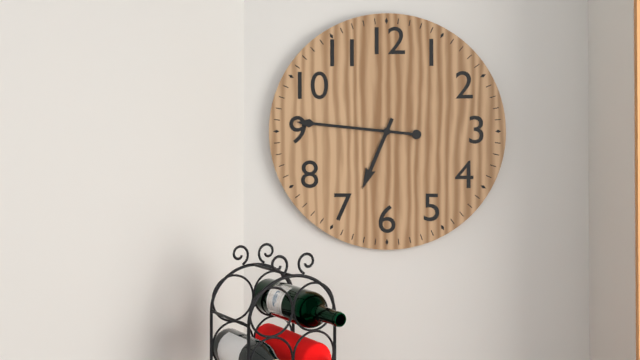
6.46
